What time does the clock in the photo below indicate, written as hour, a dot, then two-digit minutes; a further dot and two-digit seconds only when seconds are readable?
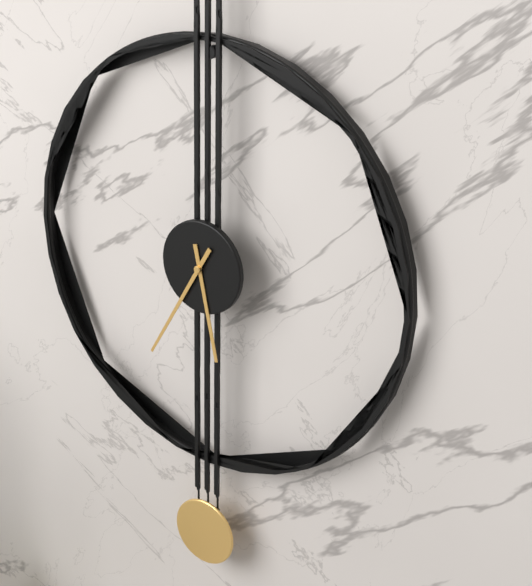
5.35
